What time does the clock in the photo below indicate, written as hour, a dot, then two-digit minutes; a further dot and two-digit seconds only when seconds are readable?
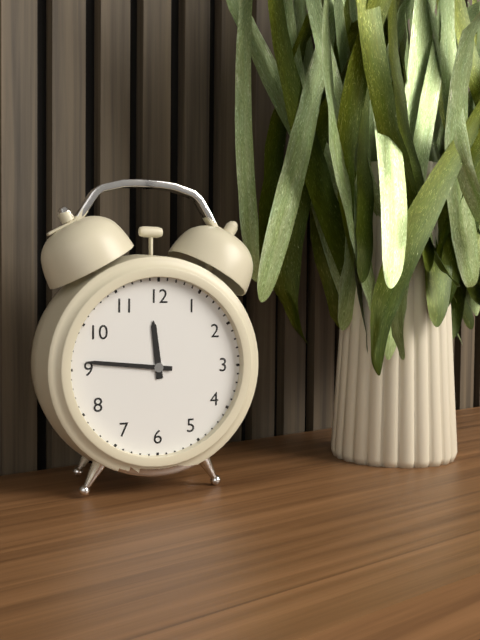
11.46
